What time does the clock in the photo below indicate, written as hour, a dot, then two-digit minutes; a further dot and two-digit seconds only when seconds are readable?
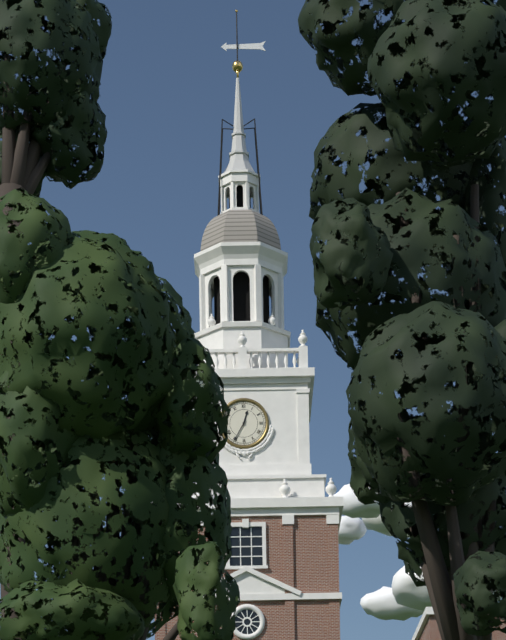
12.35
